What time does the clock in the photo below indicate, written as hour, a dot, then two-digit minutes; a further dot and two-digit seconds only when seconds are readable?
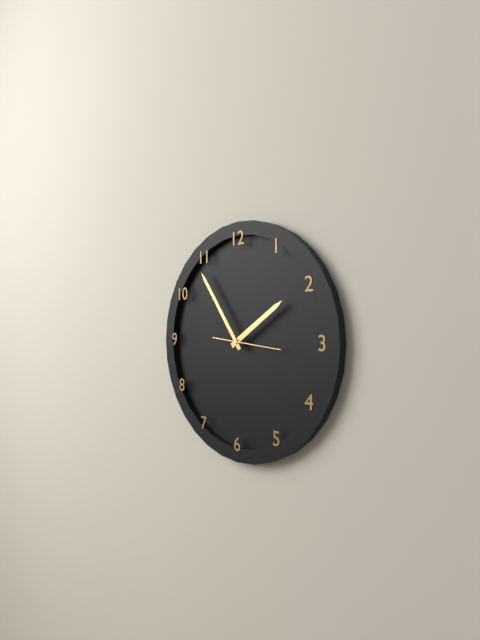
1.54.16
